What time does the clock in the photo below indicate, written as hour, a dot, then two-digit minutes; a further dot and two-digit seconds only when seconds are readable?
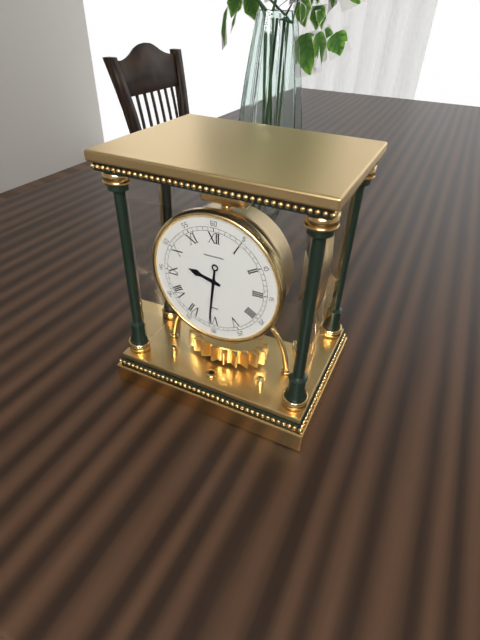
9.31
